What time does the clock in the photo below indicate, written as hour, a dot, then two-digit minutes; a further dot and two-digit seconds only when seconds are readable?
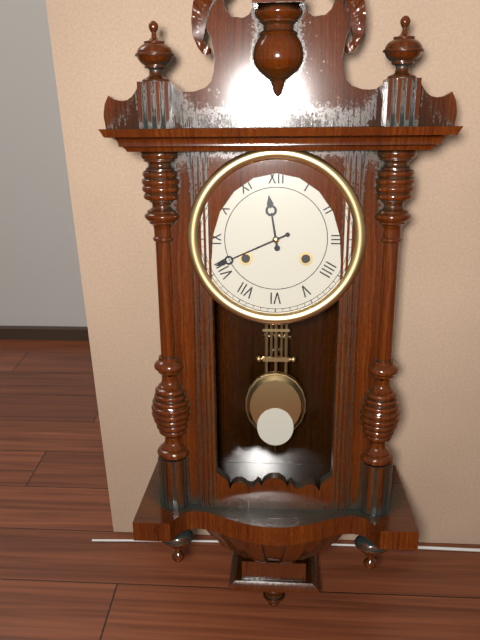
11.41
